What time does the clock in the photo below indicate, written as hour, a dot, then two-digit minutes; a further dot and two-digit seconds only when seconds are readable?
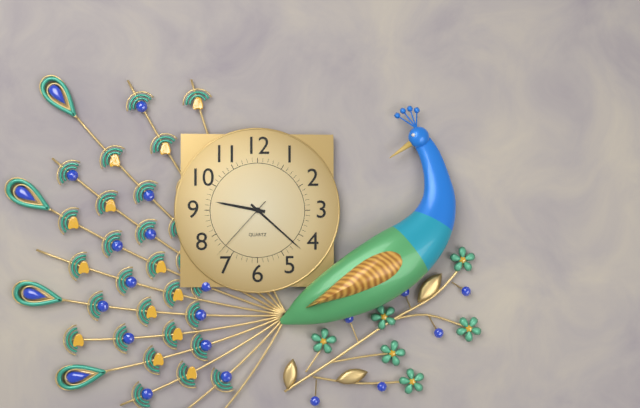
9.22.37
